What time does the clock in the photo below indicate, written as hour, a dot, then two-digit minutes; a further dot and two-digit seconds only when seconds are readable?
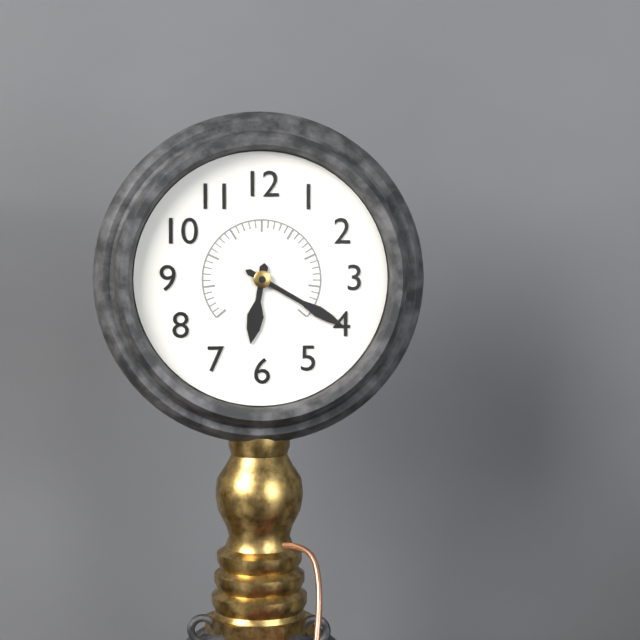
6.20
